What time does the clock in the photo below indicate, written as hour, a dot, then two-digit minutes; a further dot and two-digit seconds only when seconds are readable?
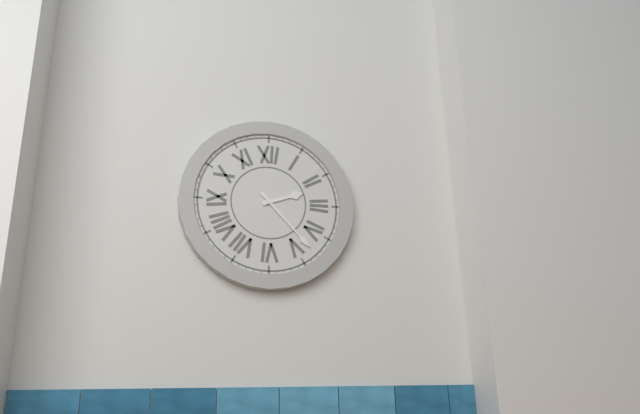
2.23
